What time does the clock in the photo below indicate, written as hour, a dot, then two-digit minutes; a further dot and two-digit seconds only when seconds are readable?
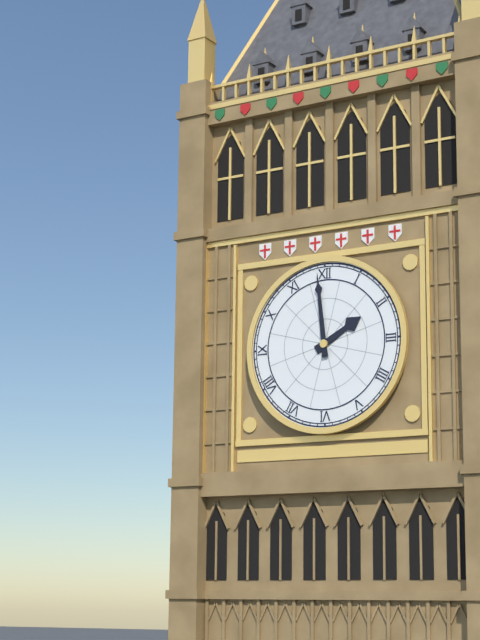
1.59
